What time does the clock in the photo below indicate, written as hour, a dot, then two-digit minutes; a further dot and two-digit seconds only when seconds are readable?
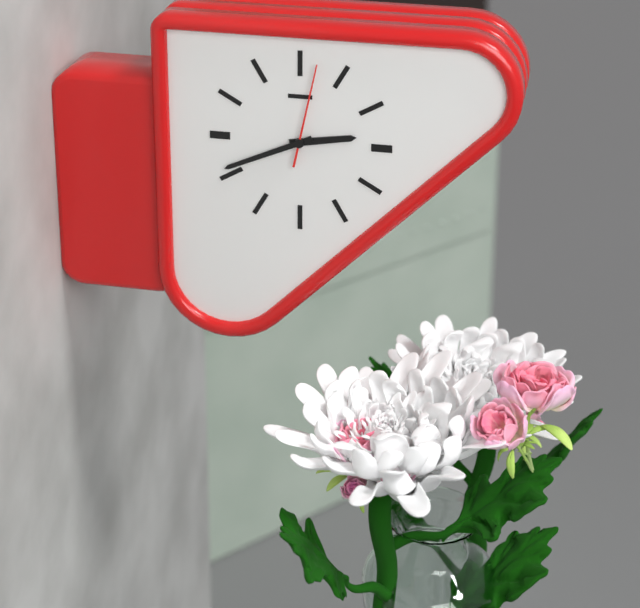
2.41.02
